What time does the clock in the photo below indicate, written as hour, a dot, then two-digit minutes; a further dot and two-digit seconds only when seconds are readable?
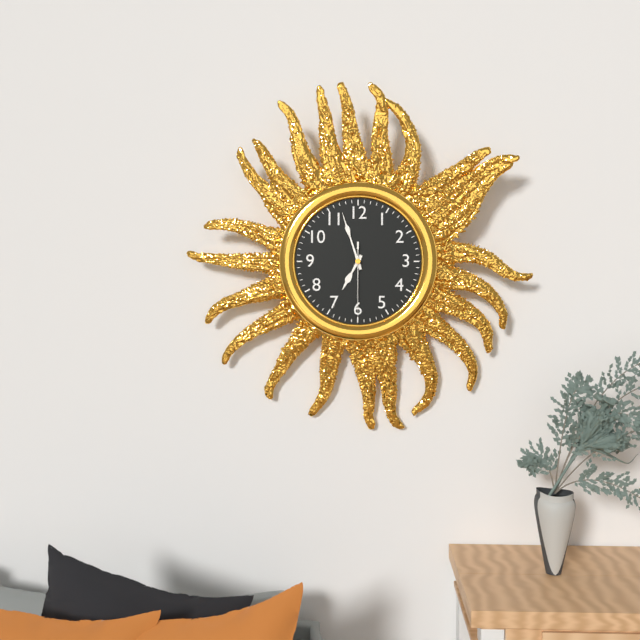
6.57.30
